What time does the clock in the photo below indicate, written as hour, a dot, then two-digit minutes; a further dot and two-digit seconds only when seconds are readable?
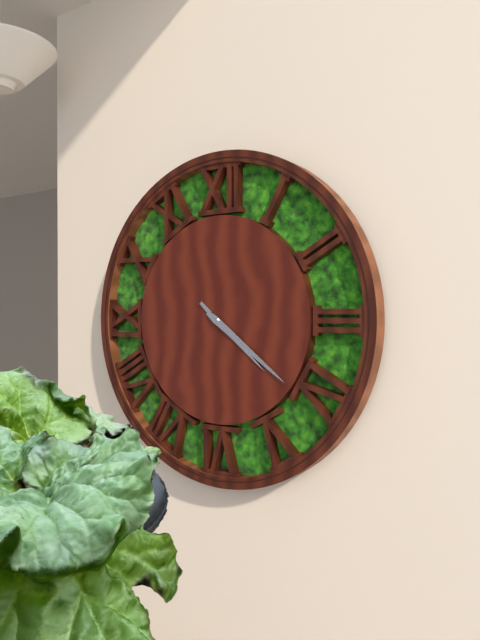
4.21
